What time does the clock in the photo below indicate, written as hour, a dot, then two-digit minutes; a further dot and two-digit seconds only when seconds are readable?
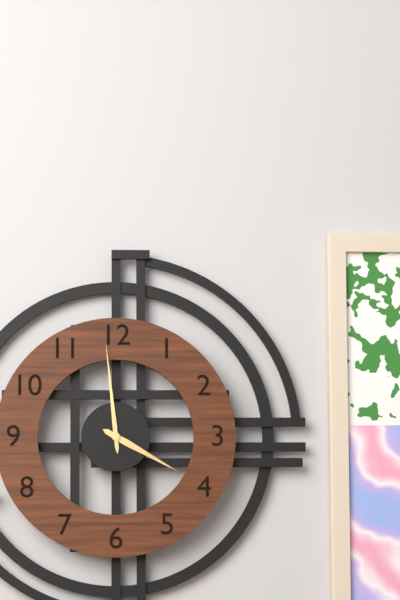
3.59
